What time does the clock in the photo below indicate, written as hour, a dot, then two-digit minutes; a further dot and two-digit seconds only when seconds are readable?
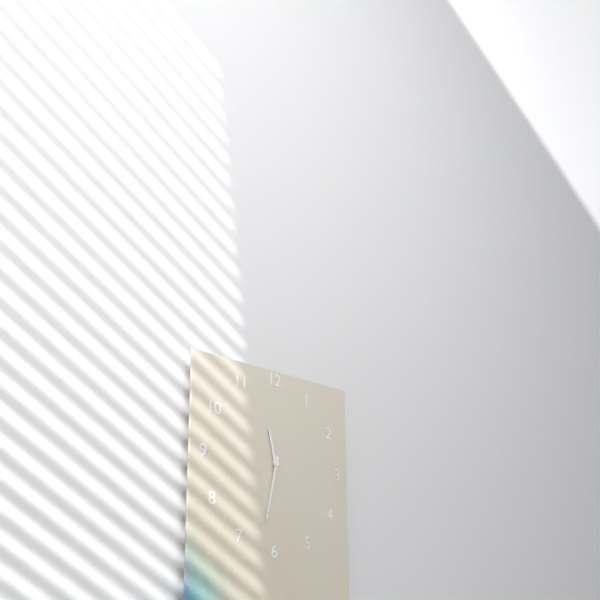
11.32
